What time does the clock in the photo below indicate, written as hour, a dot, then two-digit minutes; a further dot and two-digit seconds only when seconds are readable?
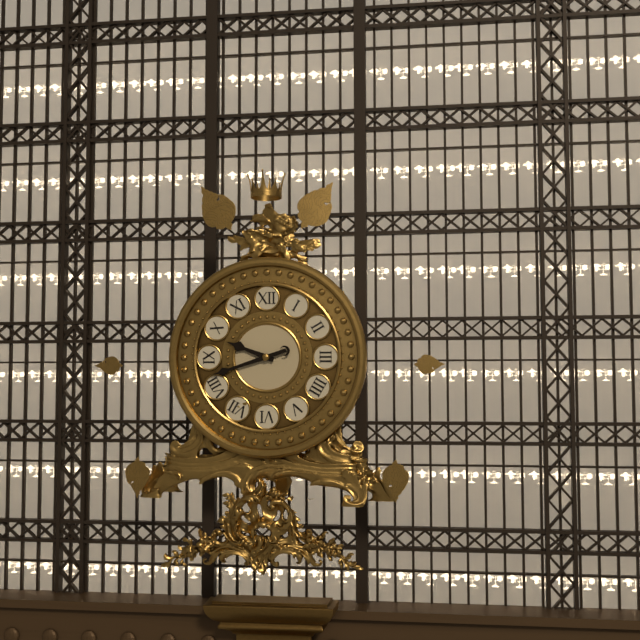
9.42
